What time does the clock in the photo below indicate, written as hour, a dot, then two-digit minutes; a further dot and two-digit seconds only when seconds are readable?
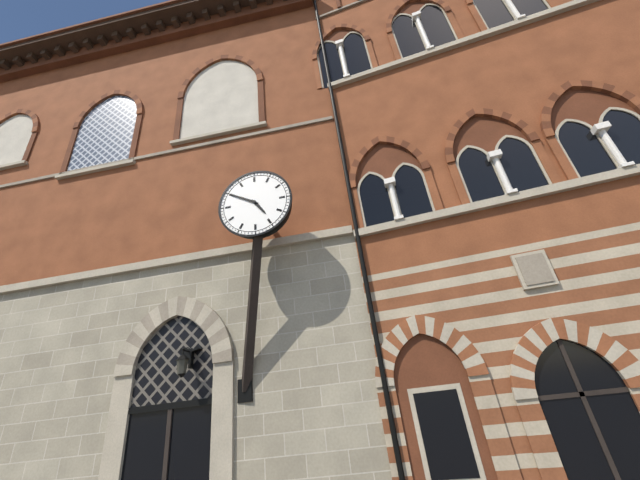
4.50
